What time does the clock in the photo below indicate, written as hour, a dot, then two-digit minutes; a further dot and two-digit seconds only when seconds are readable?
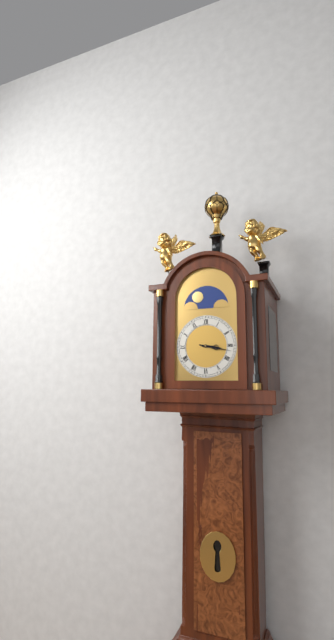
3.17
